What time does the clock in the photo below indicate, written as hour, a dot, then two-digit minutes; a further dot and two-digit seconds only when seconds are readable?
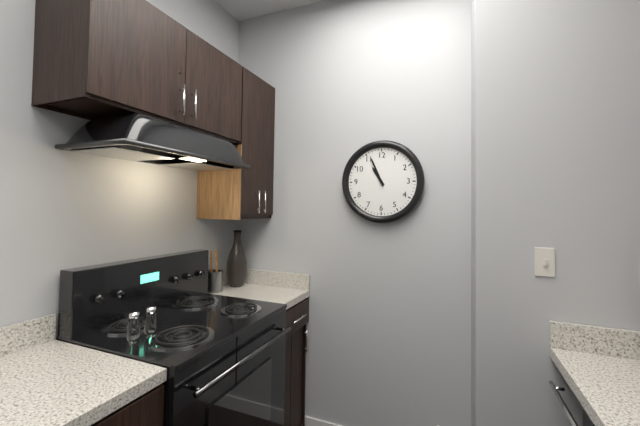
10.56
